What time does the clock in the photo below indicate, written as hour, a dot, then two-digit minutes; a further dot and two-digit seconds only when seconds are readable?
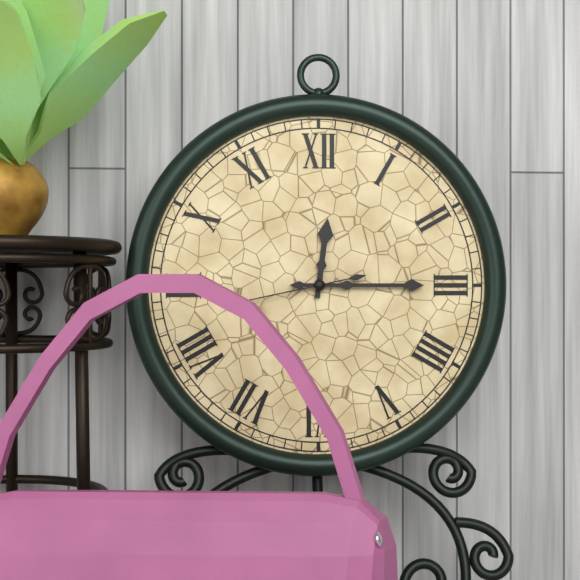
12.15.43
